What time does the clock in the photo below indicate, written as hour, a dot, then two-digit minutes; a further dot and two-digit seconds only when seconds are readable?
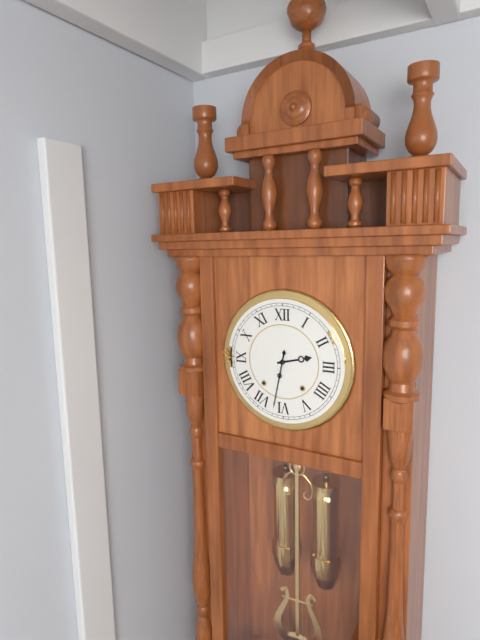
2.32
